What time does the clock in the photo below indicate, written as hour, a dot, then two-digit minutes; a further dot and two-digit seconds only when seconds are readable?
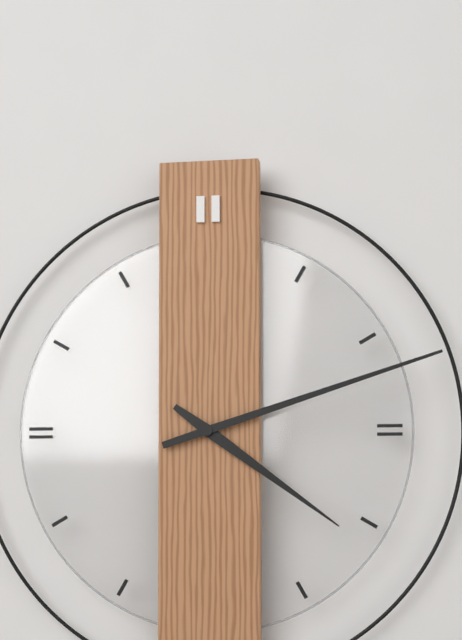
4.12
